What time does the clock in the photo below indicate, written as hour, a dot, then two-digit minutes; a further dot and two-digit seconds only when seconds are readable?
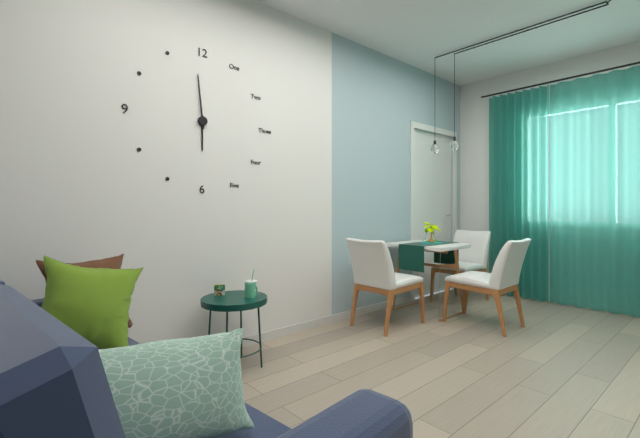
5.59
